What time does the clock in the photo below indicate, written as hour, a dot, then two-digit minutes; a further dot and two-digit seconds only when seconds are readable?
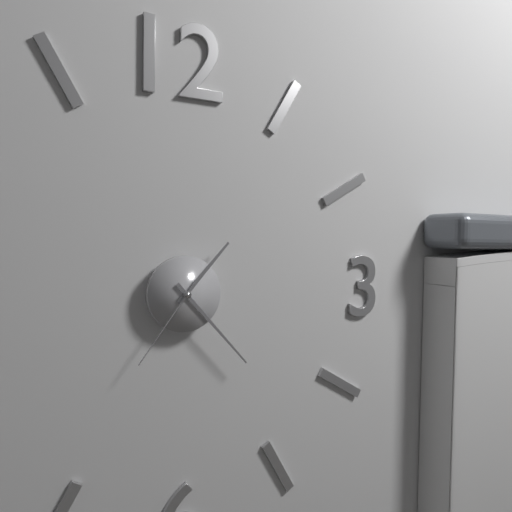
1.23.36
